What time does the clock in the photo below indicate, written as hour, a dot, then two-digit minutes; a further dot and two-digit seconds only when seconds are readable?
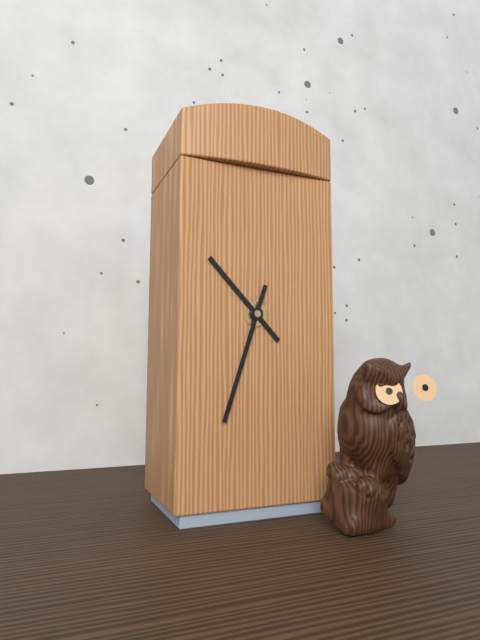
10.33
